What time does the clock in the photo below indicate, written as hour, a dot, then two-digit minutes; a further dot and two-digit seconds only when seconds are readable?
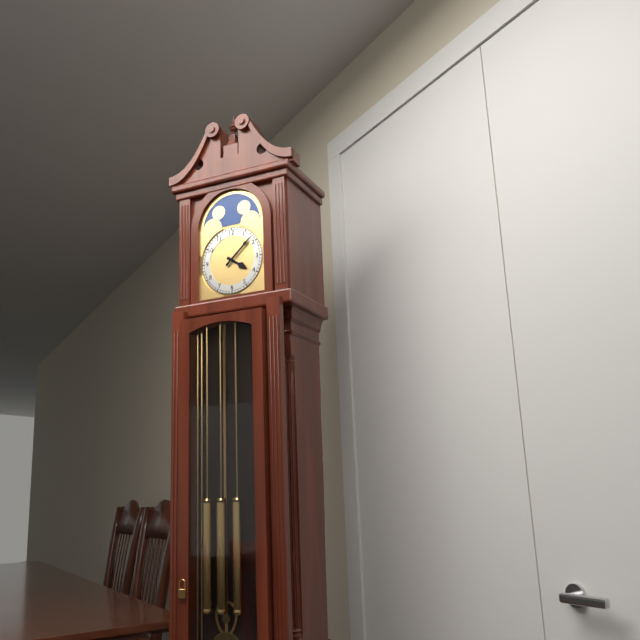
4.08
